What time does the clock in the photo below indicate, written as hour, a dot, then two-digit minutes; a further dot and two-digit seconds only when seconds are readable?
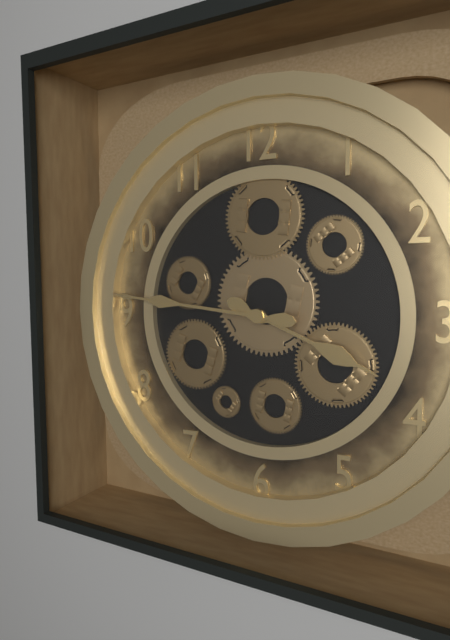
3.46
